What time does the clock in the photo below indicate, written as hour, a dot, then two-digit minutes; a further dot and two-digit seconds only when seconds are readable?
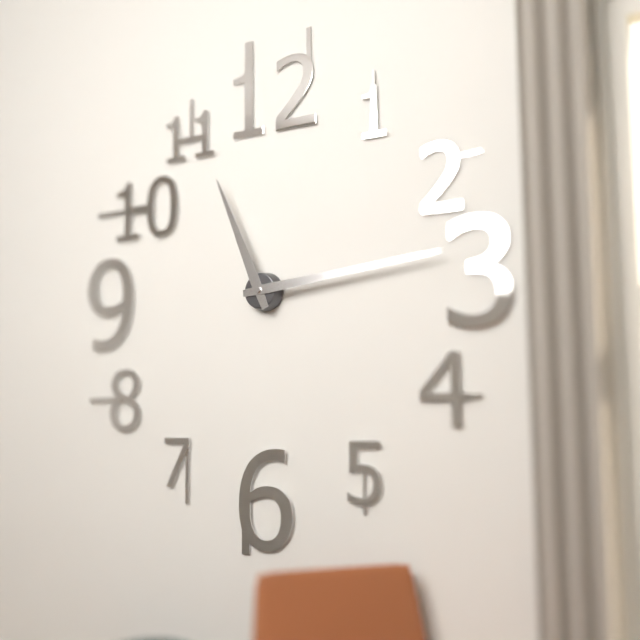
11.14
